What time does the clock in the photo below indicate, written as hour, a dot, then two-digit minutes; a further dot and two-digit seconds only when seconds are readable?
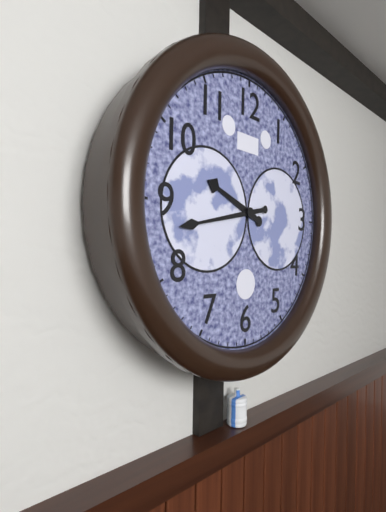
9.43
